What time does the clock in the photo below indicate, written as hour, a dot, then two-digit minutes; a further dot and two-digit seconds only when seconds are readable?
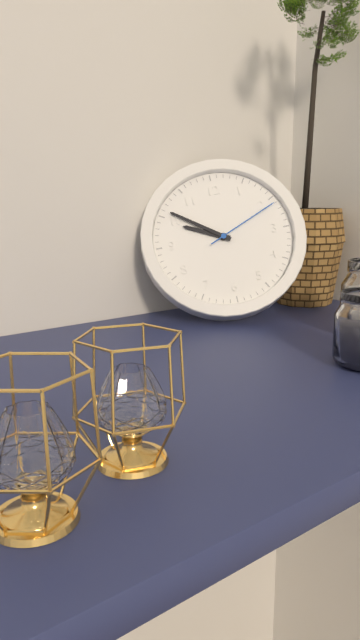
9.51.11
